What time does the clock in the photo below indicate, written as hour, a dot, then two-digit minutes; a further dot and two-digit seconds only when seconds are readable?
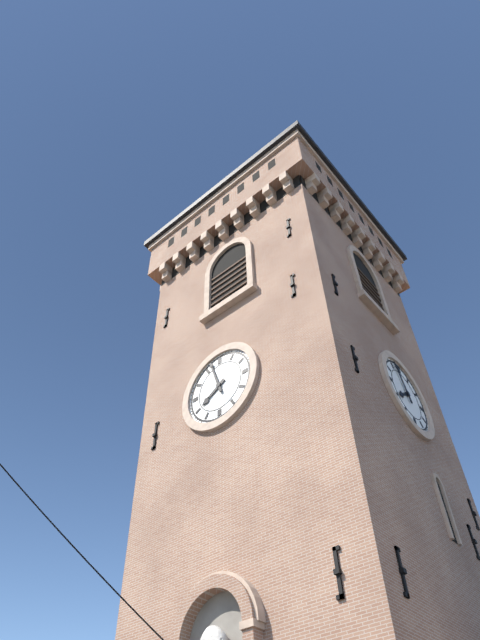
7.57
